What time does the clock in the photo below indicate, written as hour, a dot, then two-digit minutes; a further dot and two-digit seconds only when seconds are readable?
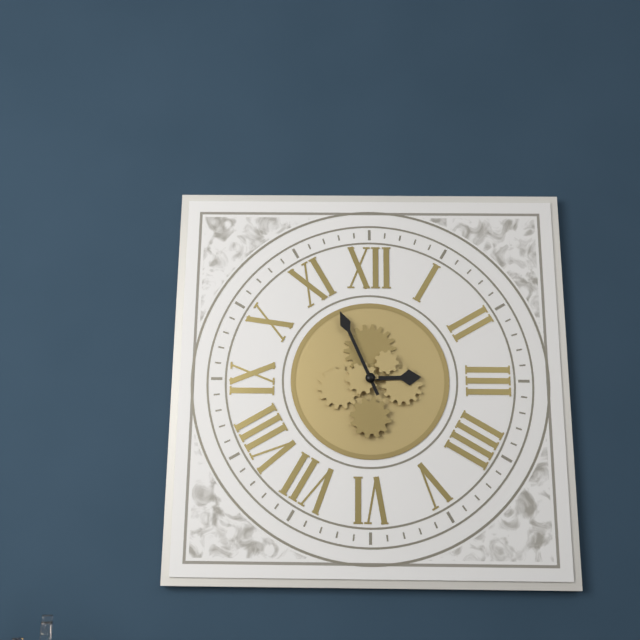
2.56
